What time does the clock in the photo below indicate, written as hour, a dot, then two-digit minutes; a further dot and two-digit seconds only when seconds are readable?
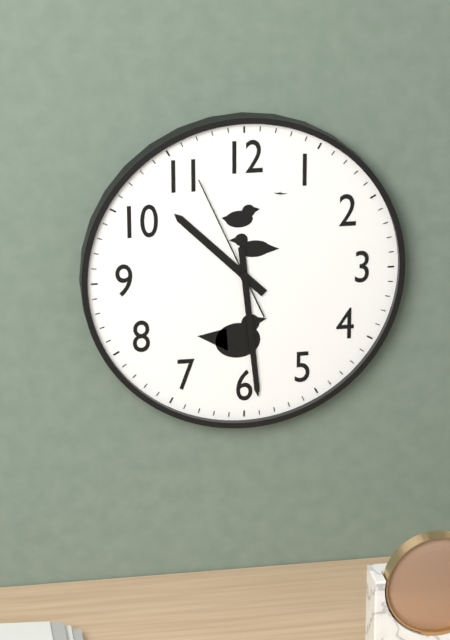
10.29.56
